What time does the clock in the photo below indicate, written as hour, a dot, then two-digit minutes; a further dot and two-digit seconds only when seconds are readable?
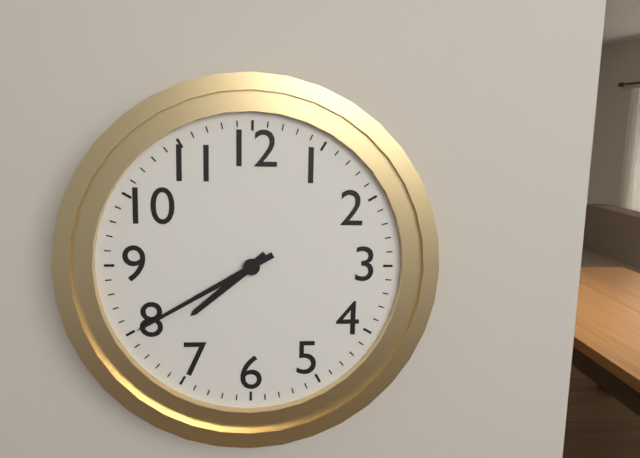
7.40
